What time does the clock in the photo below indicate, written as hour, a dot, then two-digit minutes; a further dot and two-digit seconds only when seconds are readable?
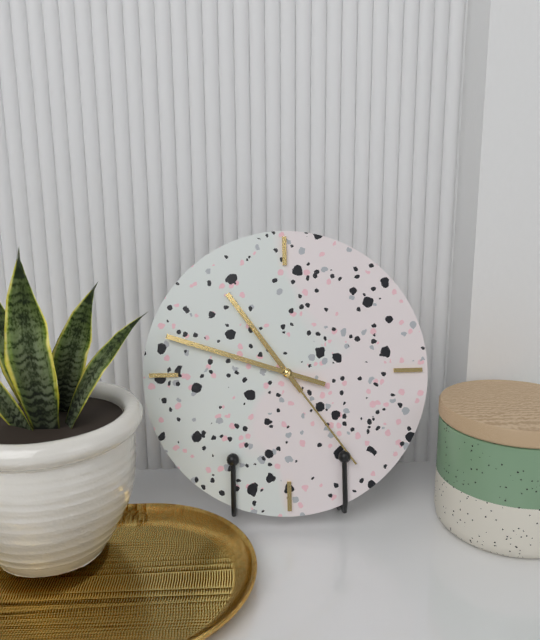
10.48.24
